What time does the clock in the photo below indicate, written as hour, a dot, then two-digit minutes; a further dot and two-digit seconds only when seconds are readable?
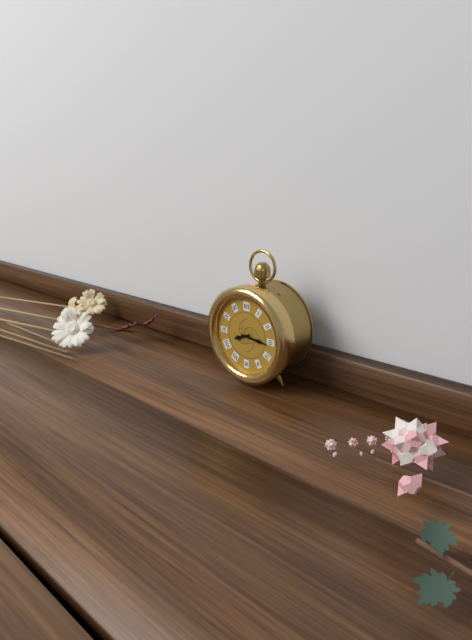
8.16
